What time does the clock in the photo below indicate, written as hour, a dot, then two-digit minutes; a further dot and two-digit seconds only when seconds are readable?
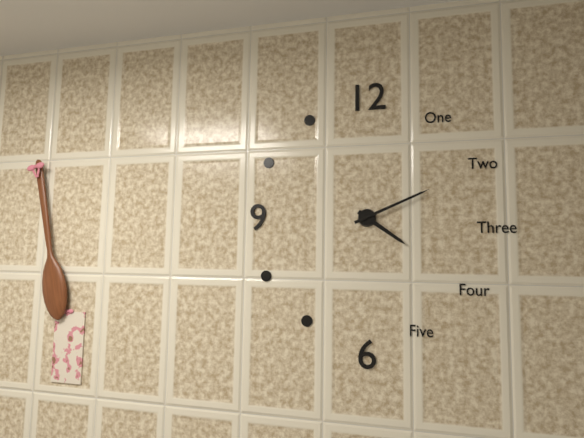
4.11
